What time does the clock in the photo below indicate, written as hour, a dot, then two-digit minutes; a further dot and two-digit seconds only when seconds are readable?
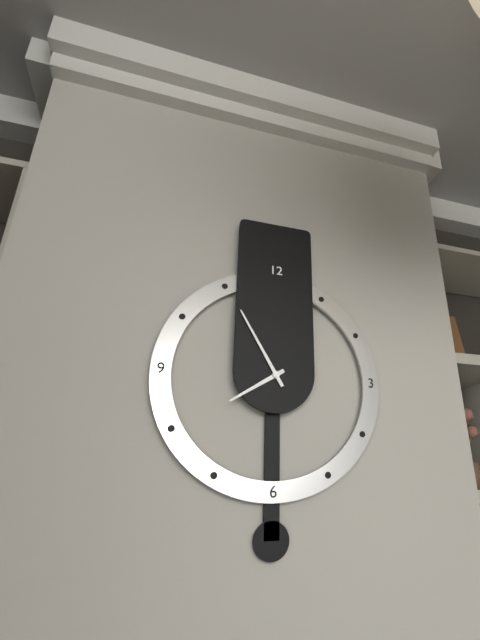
7.55
